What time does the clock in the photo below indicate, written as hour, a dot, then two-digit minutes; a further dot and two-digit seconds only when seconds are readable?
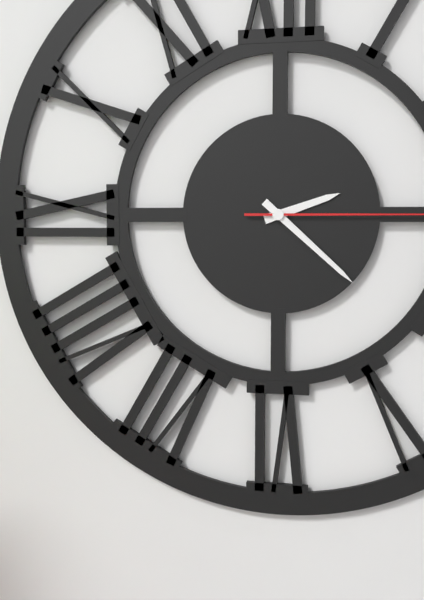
2.22
